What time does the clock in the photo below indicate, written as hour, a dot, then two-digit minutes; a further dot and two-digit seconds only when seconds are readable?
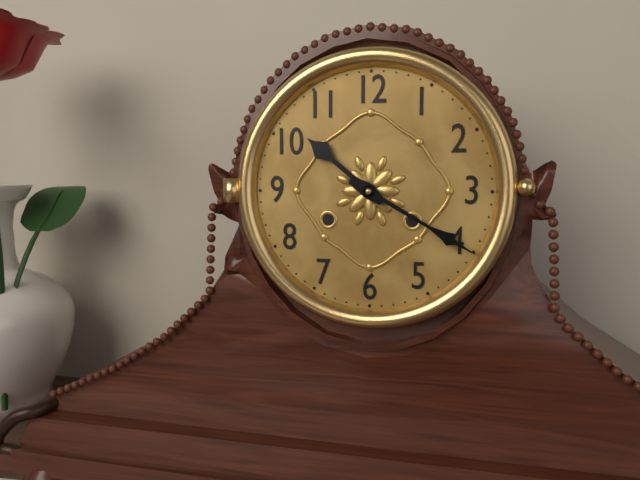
10.20
